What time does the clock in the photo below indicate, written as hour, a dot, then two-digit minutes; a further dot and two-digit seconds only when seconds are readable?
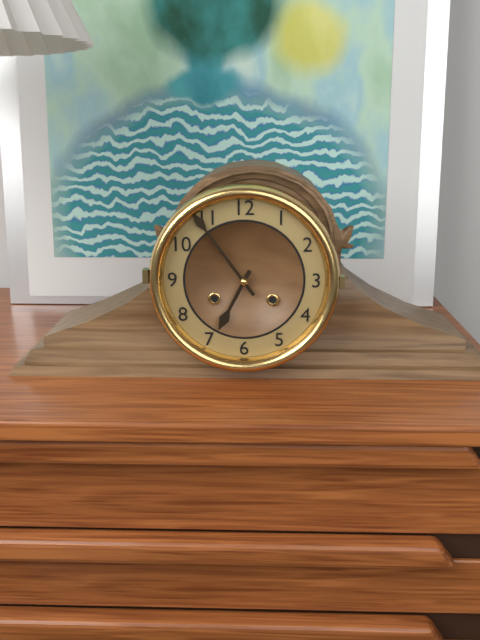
6.54
